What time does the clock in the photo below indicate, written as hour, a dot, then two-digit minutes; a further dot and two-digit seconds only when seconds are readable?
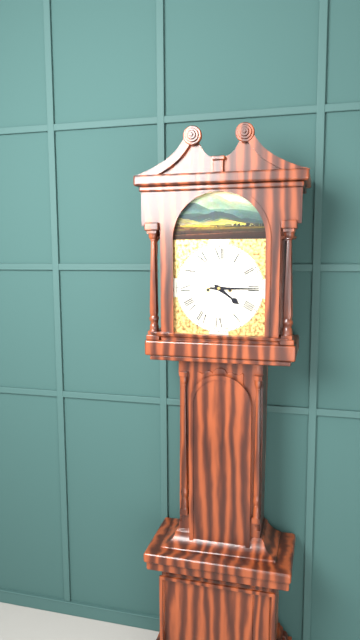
4.15
